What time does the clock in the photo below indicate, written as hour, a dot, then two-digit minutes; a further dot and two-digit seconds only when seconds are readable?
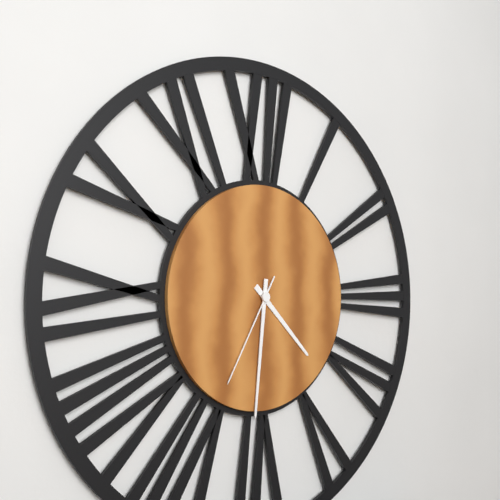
4.31.35
